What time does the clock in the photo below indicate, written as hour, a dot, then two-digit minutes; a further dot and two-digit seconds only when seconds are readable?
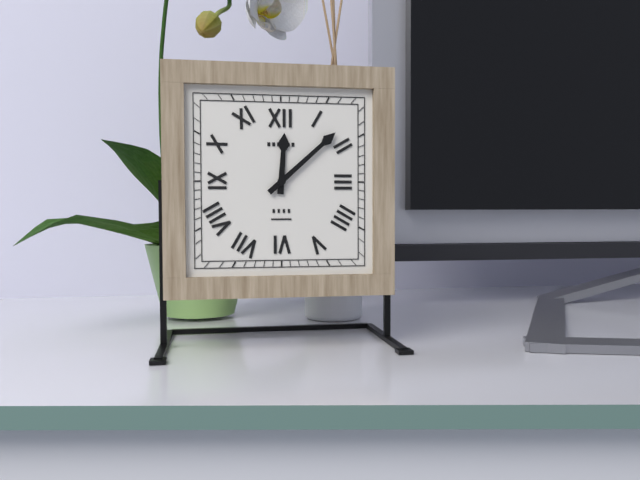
12.08
